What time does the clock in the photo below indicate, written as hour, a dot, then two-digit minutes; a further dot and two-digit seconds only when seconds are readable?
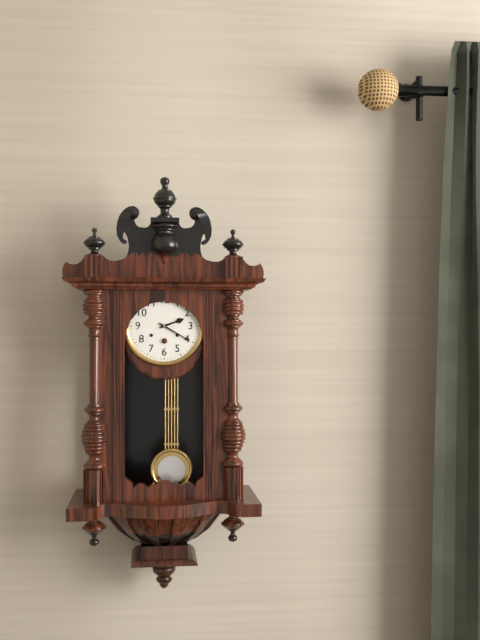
2.20
